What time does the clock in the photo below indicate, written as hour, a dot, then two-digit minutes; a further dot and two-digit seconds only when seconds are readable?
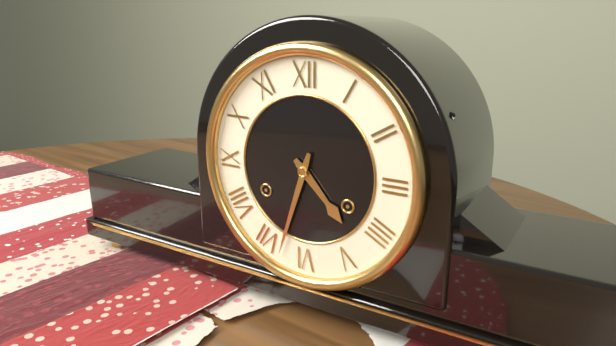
4.33
